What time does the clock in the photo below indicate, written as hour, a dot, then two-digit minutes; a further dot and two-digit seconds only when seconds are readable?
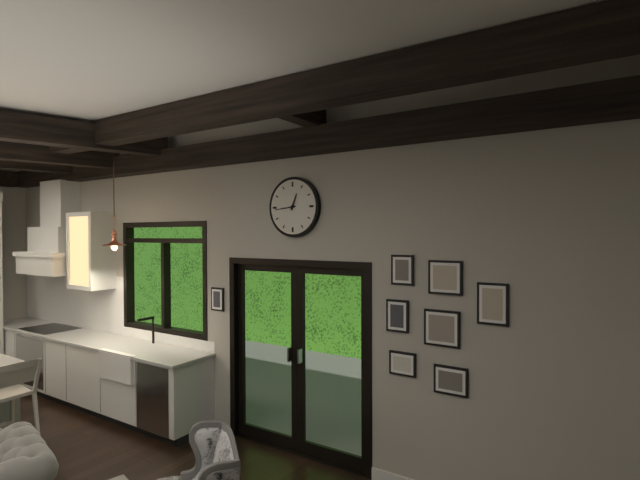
12.44
